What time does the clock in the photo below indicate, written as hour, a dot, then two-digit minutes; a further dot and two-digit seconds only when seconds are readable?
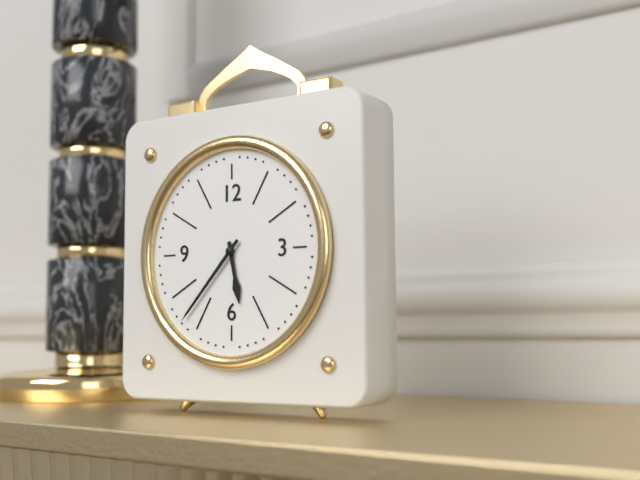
5.37
